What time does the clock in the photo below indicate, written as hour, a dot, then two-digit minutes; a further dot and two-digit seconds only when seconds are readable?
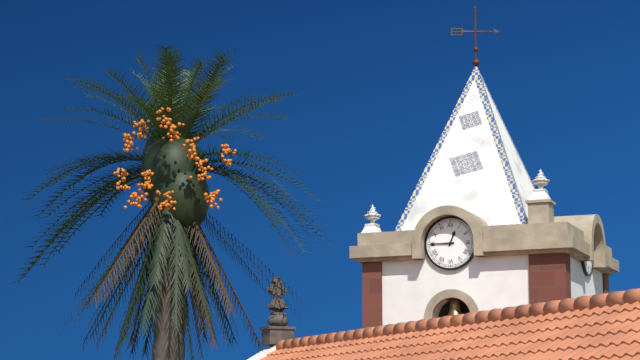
12.45
